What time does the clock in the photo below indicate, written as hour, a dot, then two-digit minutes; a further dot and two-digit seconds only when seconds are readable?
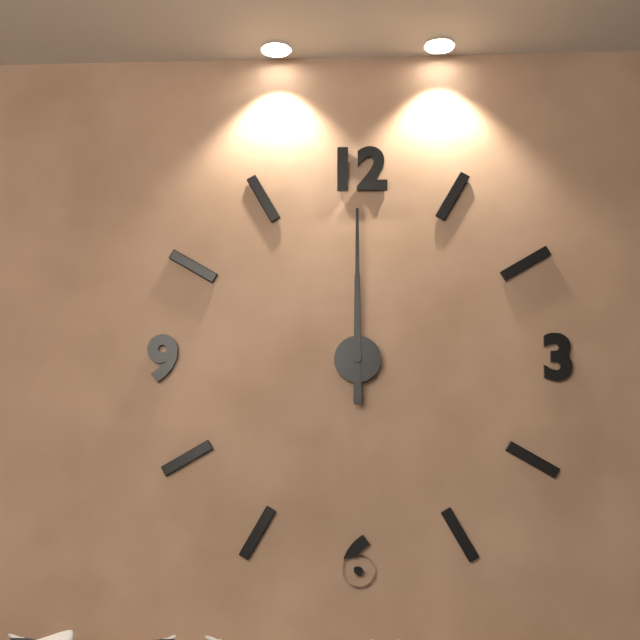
12.00
